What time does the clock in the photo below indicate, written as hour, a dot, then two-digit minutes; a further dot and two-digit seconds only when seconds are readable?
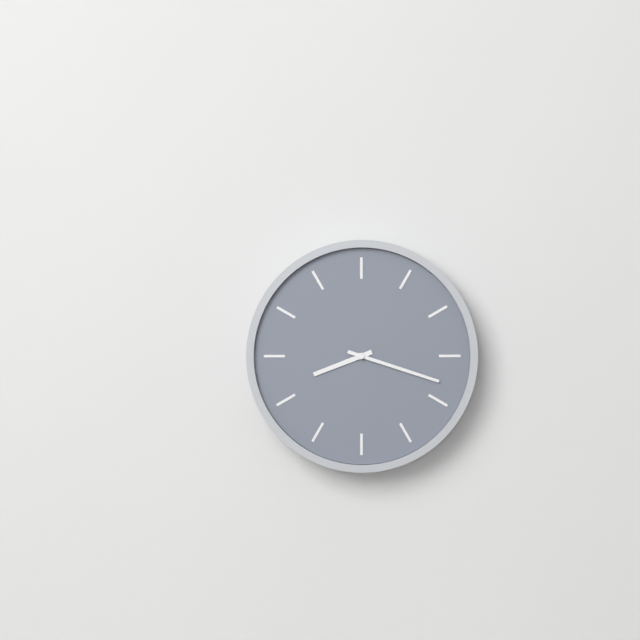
8.18
